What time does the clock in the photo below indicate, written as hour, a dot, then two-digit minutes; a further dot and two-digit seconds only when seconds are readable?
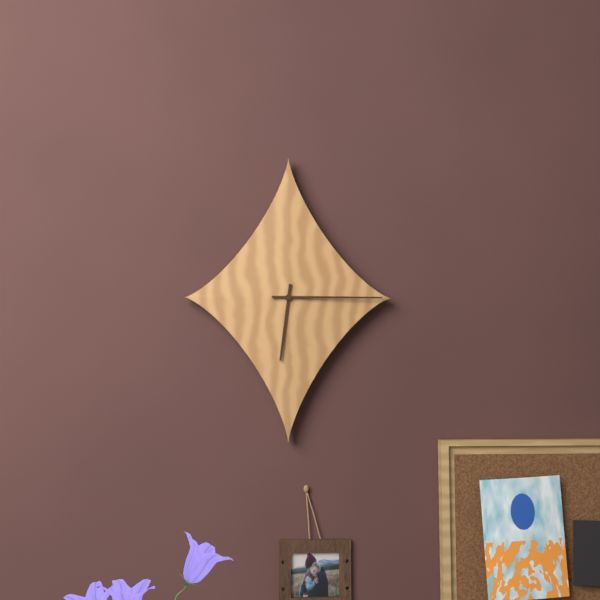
6.15
